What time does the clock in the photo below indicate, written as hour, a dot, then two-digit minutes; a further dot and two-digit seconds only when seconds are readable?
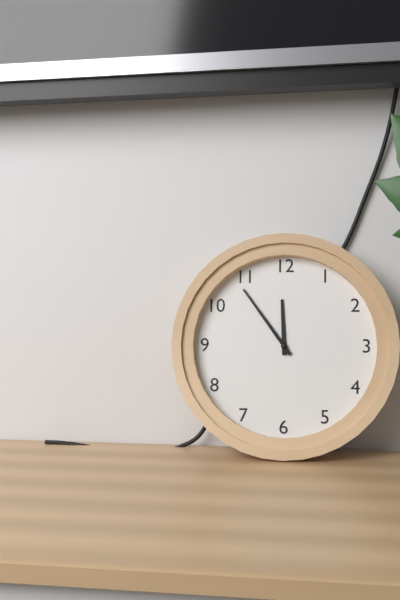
11.54
